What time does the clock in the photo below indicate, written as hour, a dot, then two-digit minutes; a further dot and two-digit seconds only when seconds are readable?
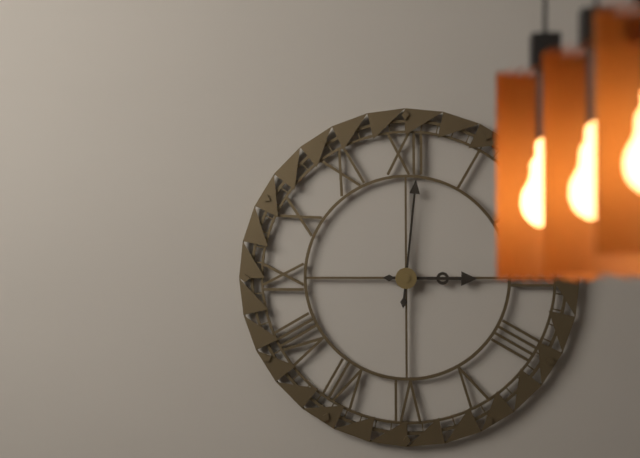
3.01
